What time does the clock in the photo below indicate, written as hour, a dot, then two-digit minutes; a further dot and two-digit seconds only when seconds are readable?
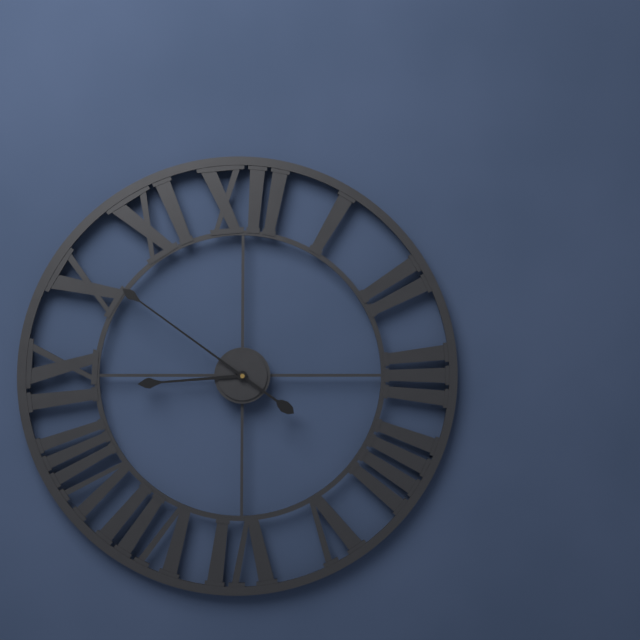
8.51
